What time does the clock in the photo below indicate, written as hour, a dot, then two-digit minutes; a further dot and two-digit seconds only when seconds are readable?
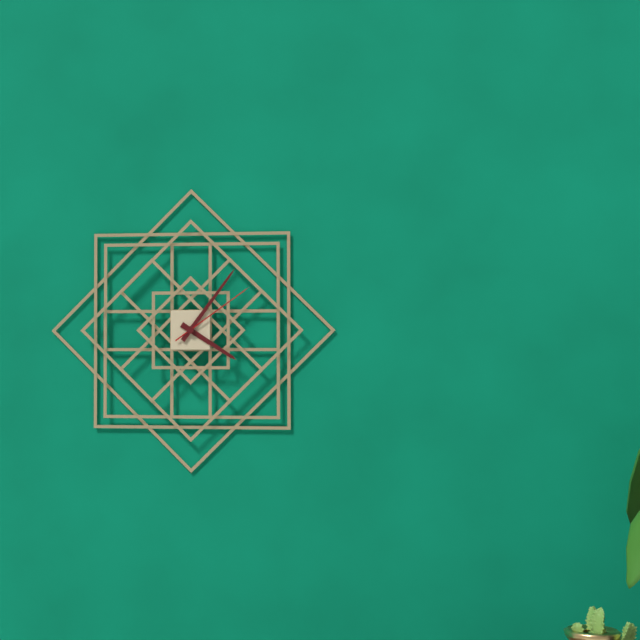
4.06.09
